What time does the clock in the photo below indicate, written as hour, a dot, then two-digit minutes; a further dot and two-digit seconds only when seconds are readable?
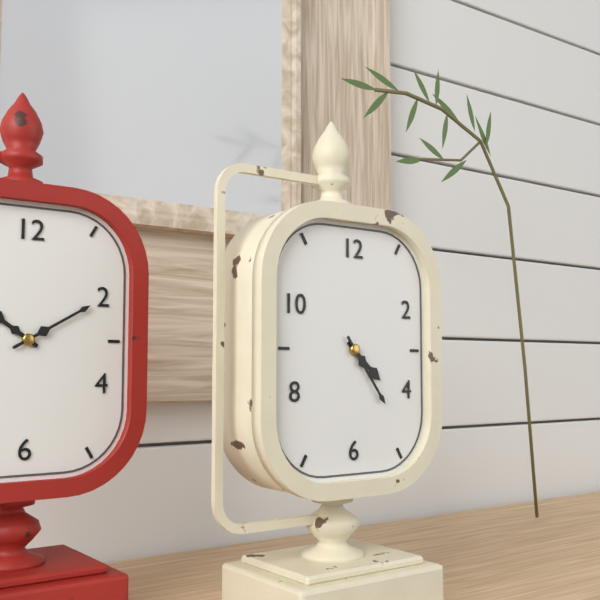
4.24
